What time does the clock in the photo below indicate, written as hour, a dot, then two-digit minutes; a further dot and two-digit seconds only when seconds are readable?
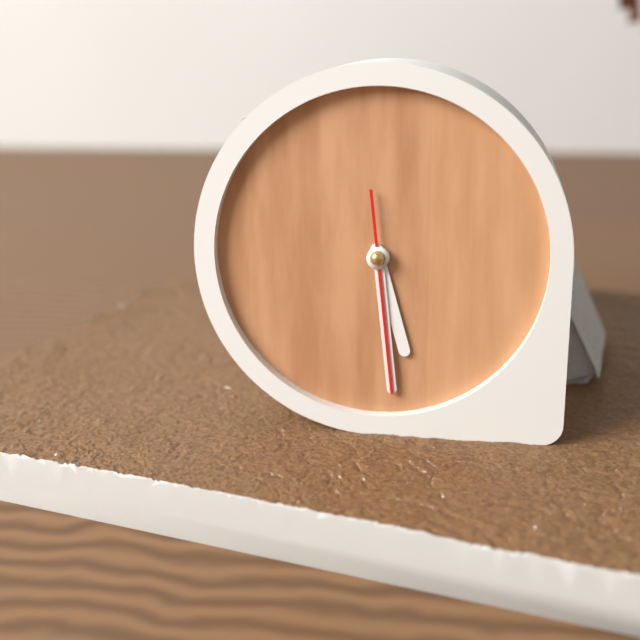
5.29.29
